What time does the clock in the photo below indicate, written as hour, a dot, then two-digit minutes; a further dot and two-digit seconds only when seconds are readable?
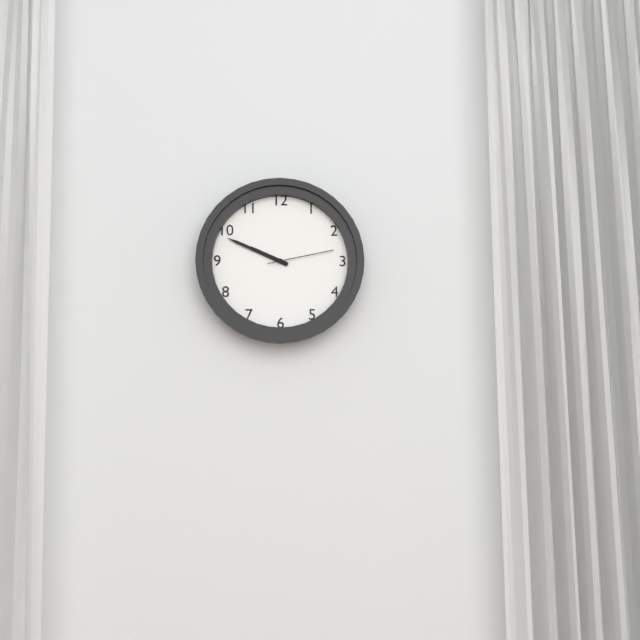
9.49.13
